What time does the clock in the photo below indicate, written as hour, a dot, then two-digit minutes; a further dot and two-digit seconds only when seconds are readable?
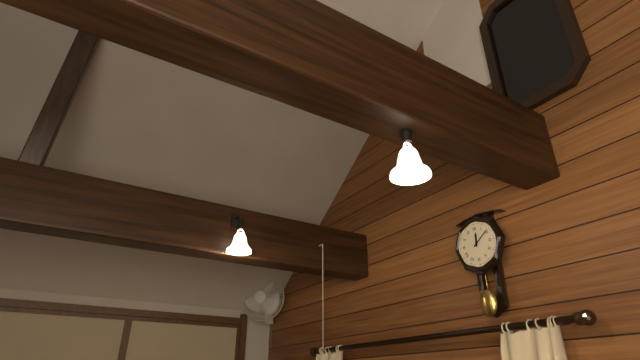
12.09
